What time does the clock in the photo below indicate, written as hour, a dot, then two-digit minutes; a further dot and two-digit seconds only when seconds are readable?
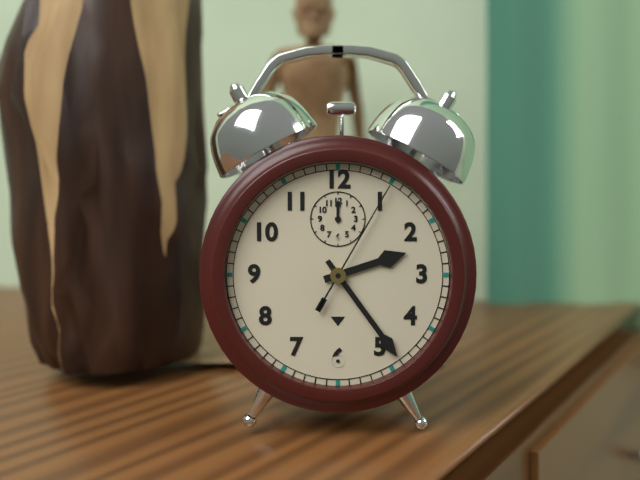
2.24.05
